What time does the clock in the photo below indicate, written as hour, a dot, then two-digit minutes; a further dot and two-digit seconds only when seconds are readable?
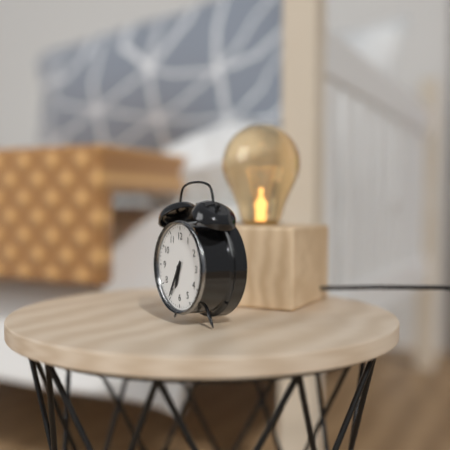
6.35
